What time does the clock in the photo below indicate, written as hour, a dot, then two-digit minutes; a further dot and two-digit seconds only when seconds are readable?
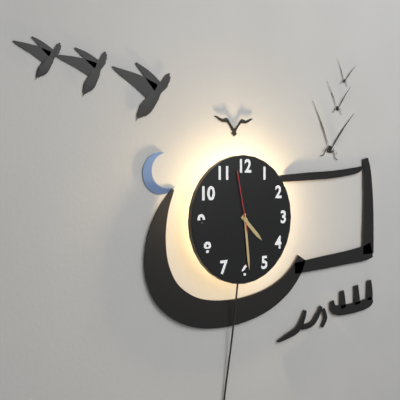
4.29.58
